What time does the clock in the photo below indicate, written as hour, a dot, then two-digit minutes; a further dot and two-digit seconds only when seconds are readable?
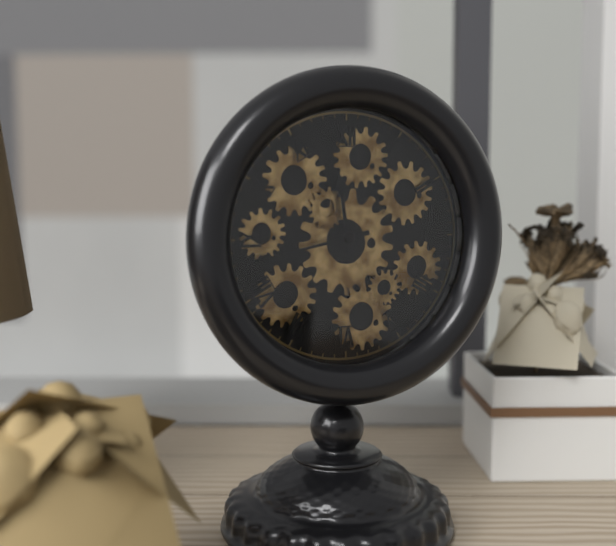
11.43
